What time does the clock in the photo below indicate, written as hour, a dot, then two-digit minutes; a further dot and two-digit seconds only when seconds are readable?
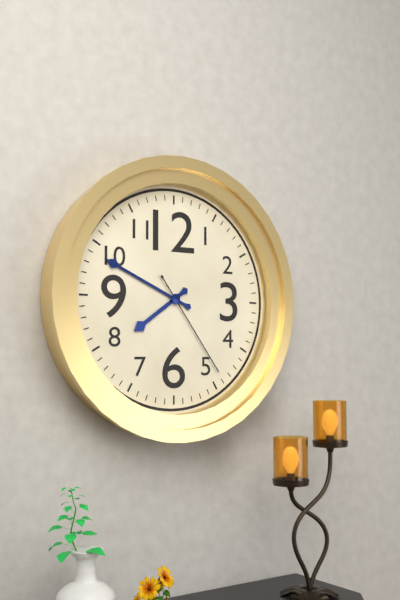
7.49.24
